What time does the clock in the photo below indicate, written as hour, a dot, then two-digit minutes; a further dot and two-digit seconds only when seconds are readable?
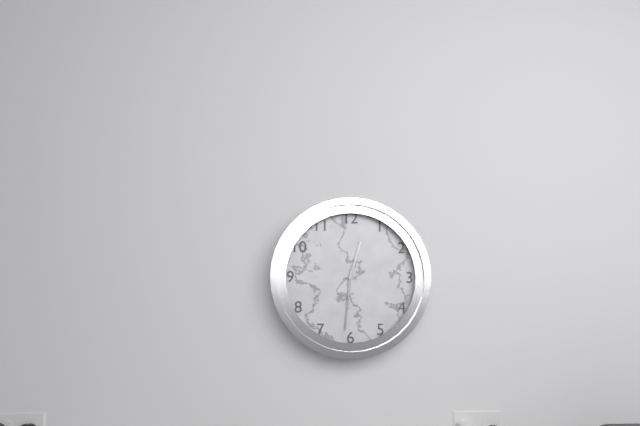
12.31
